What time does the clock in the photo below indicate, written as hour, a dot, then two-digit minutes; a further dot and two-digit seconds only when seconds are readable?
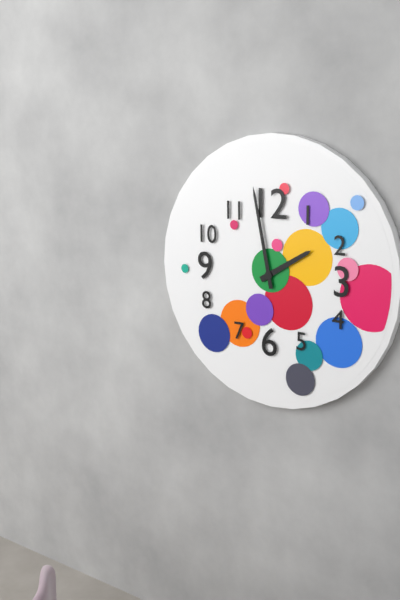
1.58
